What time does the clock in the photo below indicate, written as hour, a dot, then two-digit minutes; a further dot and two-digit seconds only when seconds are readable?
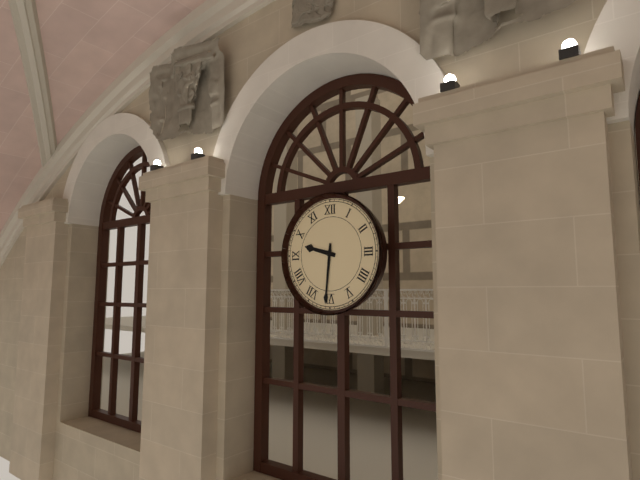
9.31
